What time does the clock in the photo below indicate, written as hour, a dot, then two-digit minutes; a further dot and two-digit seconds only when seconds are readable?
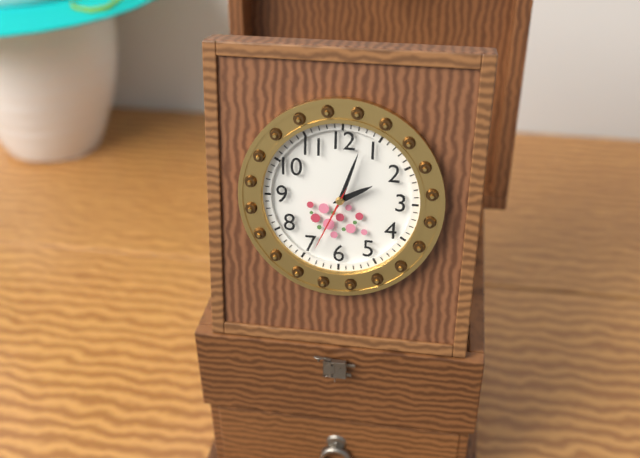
2.03.34
